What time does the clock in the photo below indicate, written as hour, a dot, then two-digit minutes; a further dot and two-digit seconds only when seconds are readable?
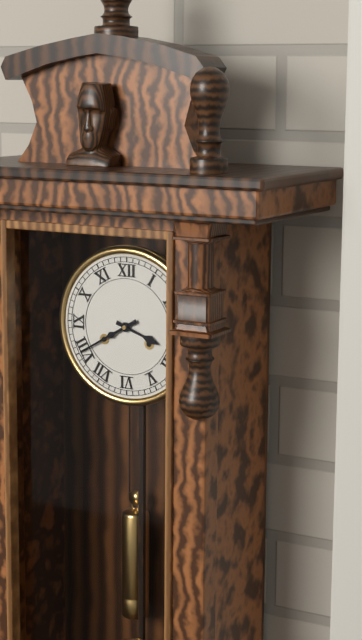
3.40
